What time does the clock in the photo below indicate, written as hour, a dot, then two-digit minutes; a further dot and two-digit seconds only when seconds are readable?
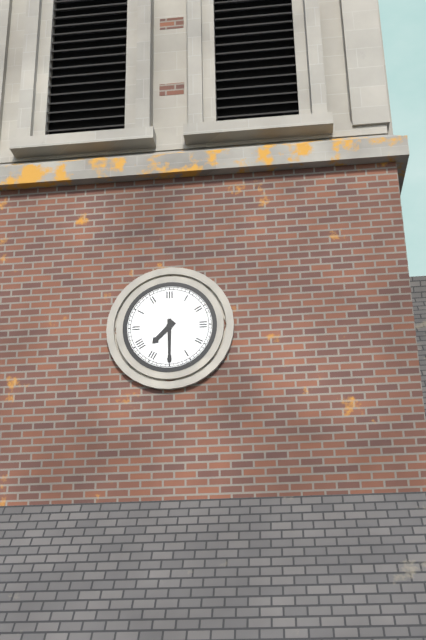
7.30
